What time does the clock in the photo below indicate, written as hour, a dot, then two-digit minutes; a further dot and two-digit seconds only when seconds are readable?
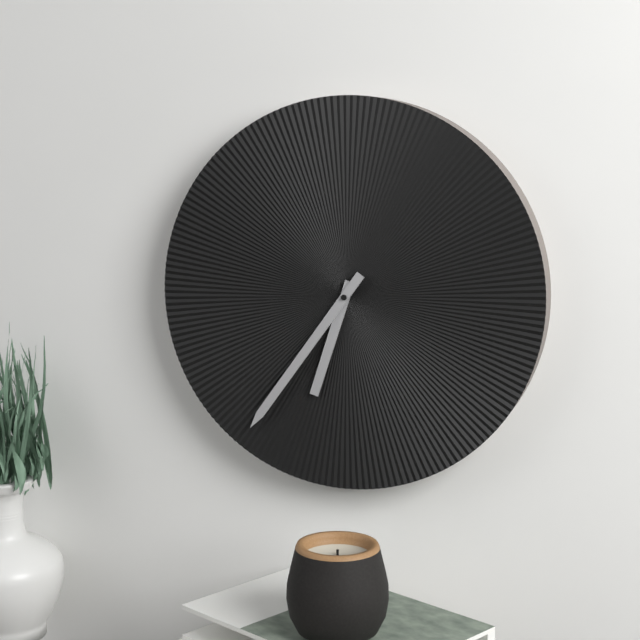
6.36
